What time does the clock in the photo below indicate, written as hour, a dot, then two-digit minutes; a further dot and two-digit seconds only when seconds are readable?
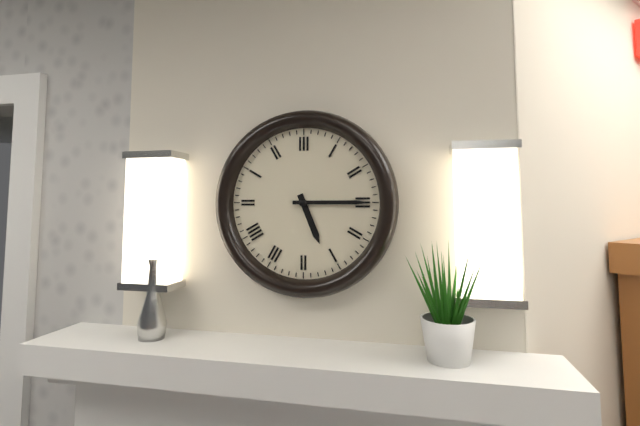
5.15
